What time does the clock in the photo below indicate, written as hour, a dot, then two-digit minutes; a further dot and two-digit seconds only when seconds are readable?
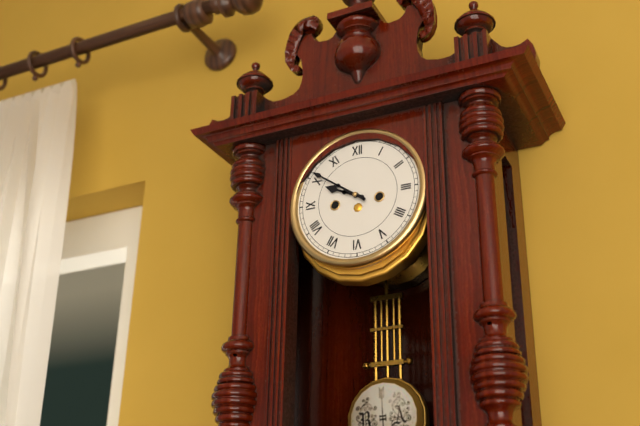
9.51
